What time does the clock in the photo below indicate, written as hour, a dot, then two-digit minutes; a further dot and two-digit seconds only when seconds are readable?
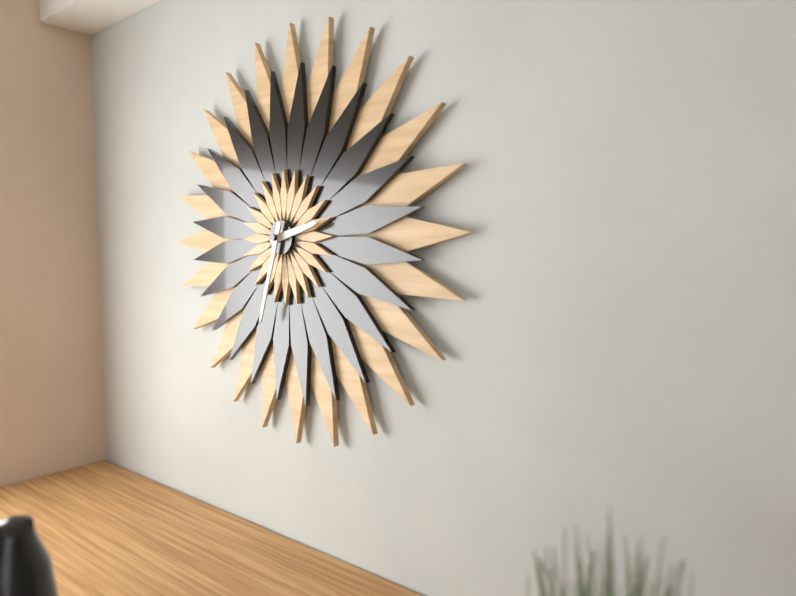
2.33
